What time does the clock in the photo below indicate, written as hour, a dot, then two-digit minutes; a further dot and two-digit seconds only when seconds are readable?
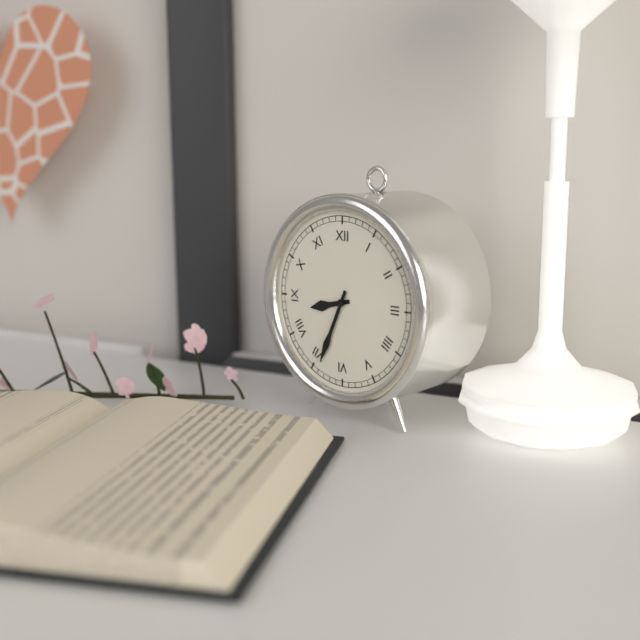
8.34
